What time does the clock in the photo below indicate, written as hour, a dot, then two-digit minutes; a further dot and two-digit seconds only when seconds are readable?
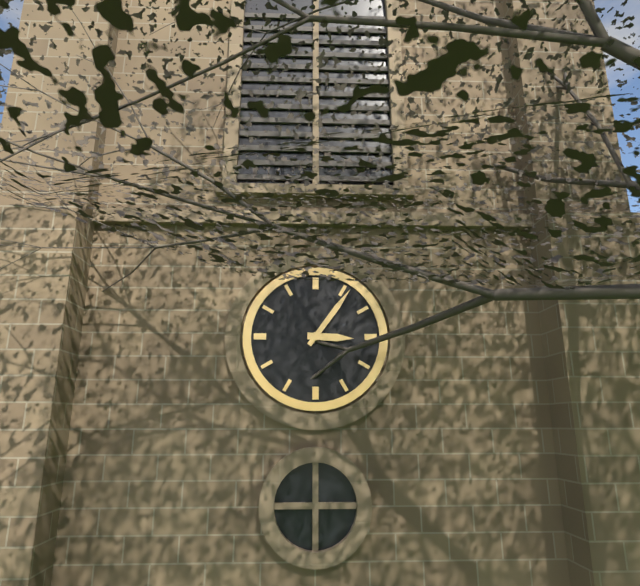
3.06
